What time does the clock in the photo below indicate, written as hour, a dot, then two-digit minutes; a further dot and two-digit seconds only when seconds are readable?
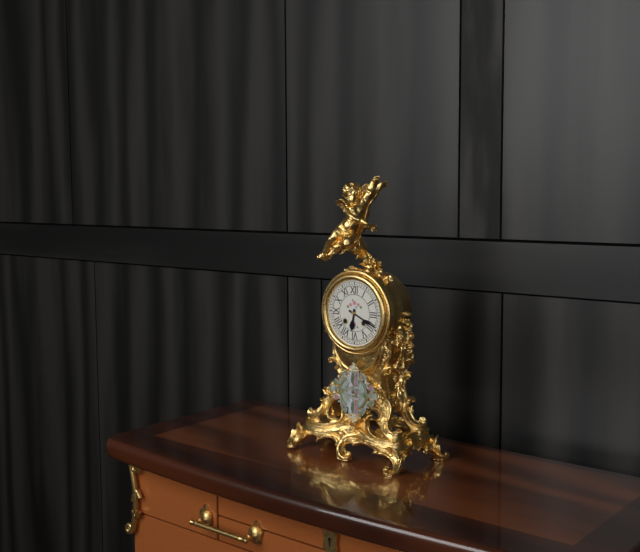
6.19
